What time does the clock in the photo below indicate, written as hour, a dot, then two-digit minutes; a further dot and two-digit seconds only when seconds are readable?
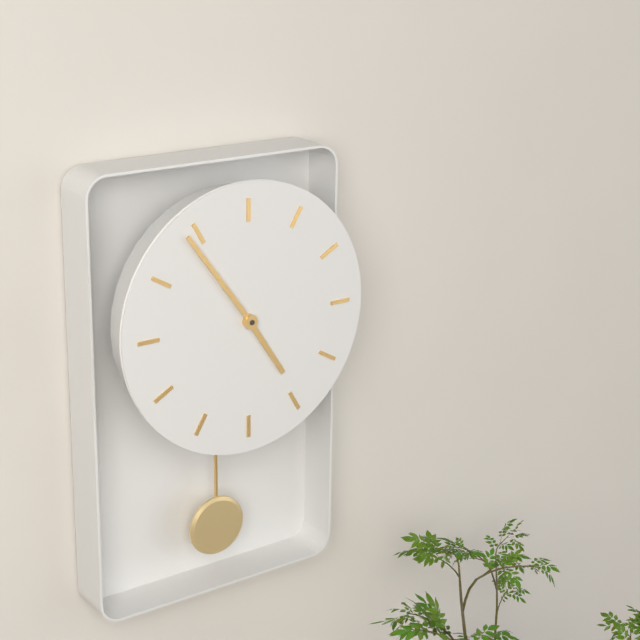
4.54
